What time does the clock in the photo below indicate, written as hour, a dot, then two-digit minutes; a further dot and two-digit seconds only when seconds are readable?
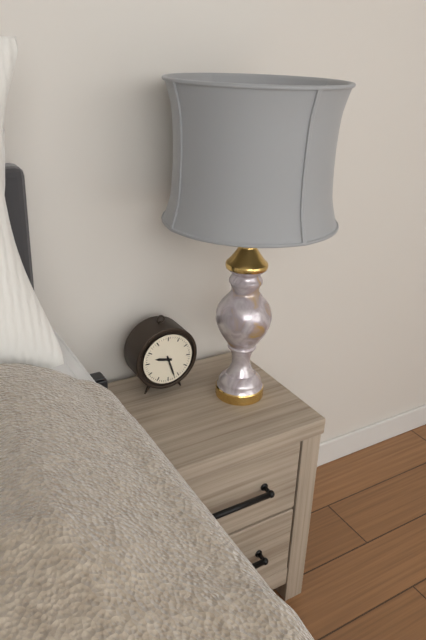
9.27
